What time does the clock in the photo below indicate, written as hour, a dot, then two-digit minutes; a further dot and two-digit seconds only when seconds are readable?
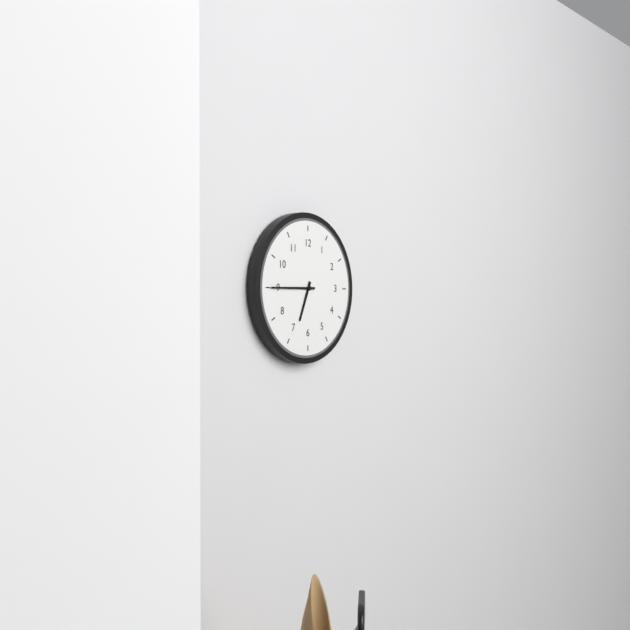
6.45
